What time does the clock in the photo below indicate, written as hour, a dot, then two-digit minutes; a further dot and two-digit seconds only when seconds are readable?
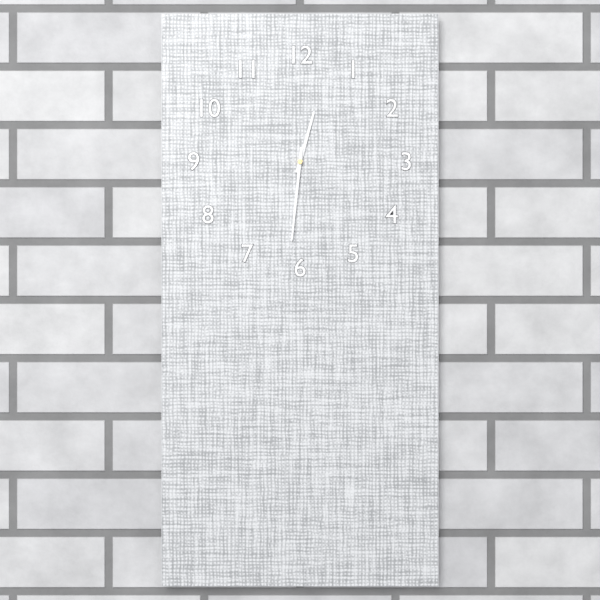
12.31
